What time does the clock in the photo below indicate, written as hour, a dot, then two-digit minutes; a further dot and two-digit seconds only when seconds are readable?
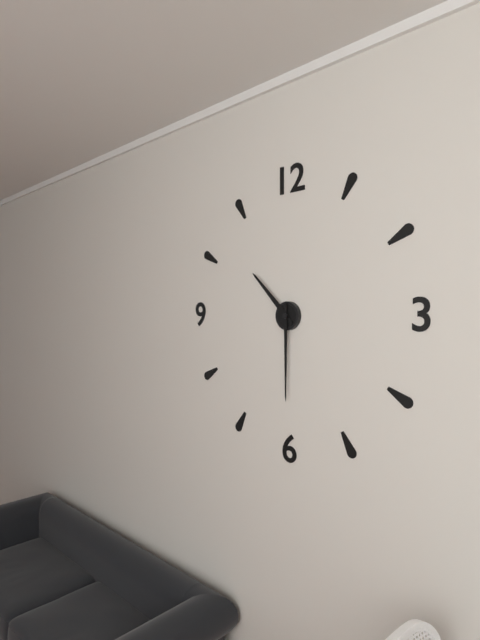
10.30
